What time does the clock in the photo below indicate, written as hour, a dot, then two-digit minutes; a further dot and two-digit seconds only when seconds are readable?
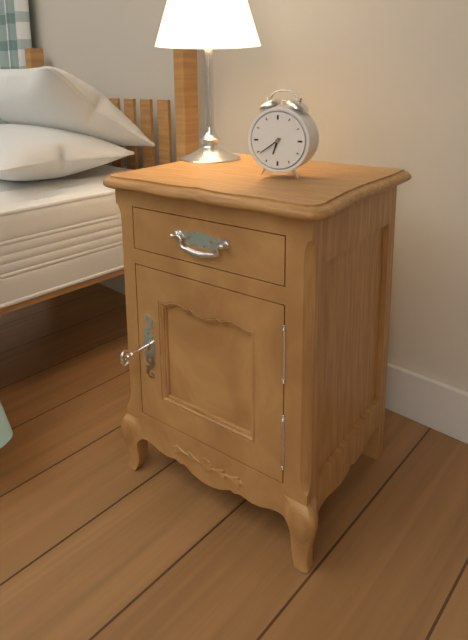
6.39
